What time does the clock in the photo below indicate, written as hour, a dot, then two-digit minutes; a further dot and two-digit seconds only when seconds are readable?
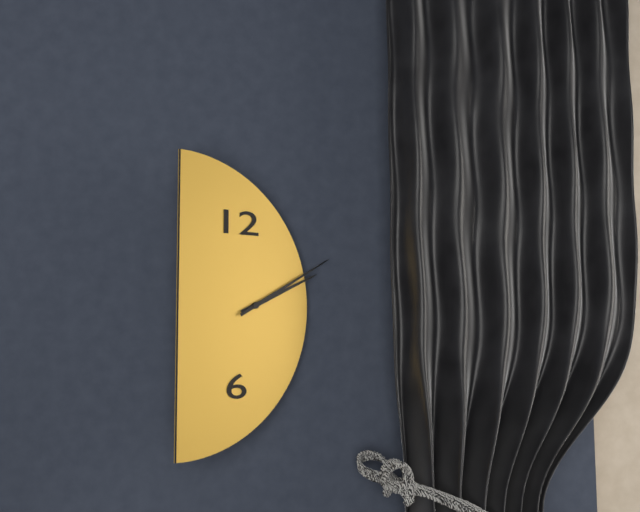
2.10
